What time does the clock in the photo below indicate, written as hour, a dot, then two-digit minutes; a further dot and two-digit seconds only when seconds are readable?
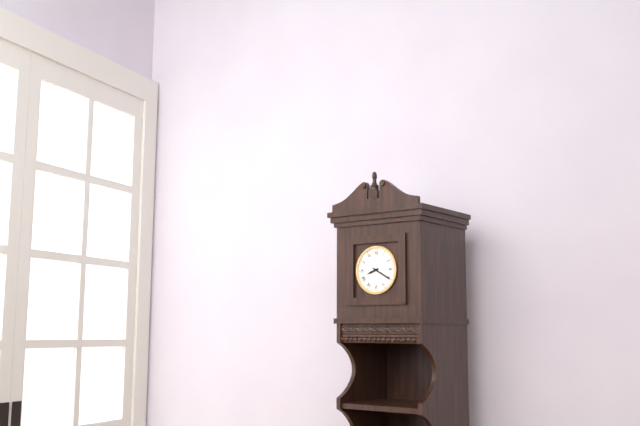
8.20
